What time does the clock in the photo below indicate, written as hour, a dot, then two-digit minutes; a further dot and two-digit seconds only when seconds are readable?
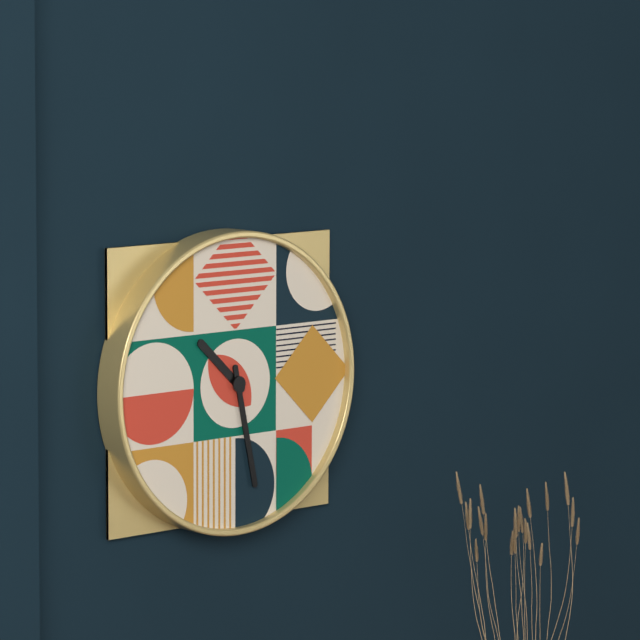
10.28
